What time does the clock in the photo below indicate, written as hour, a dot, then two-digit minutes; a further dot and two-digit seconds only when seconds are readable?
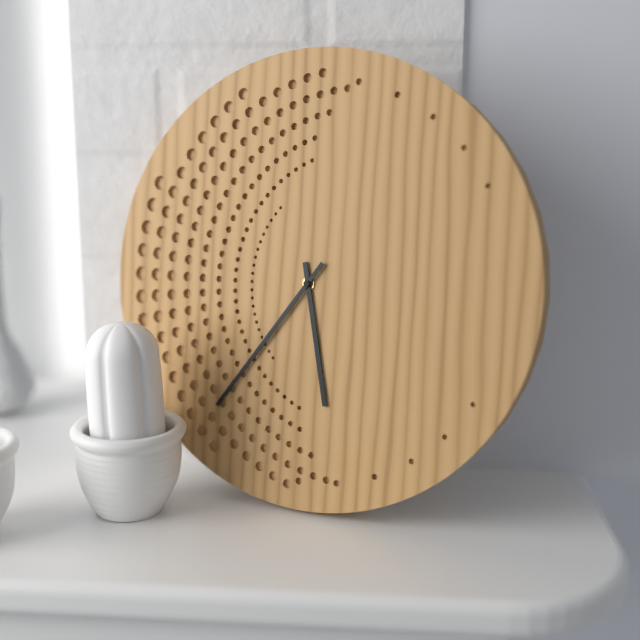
5.36
